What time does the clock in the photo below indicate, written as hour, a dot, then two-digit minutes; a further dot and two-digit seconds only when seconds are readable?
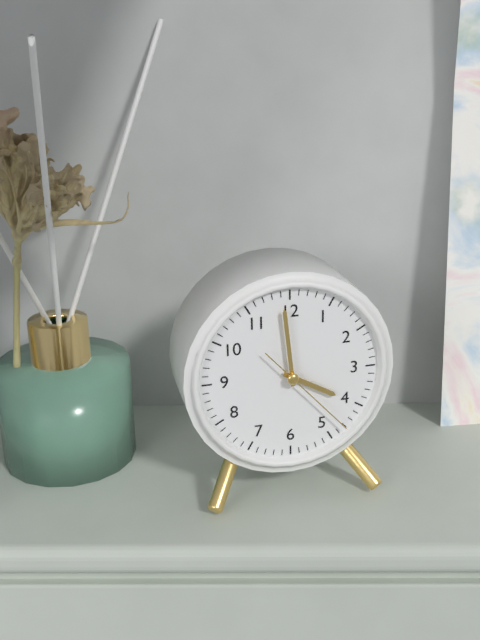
3.59.23
